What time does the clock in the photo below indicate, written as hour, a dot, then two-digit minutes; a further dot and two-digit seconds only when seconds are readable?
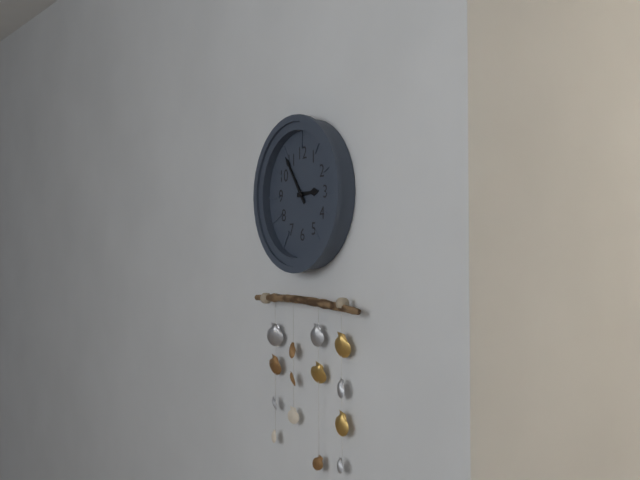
2.54
